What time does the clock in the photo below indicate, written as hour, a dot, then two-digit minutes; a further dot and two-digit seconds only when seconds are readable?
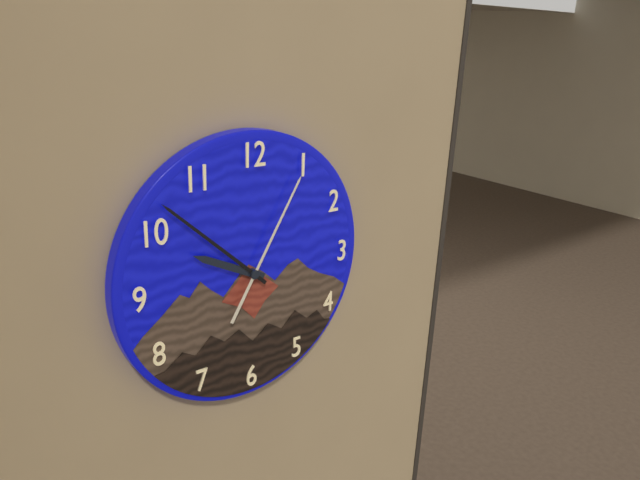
9.52.05
